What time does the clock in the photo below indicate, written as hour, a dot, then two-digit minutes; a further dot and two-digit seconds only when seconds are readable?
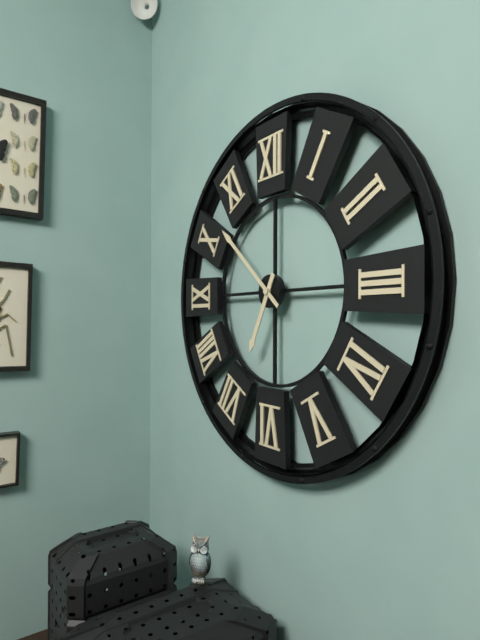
6.52
